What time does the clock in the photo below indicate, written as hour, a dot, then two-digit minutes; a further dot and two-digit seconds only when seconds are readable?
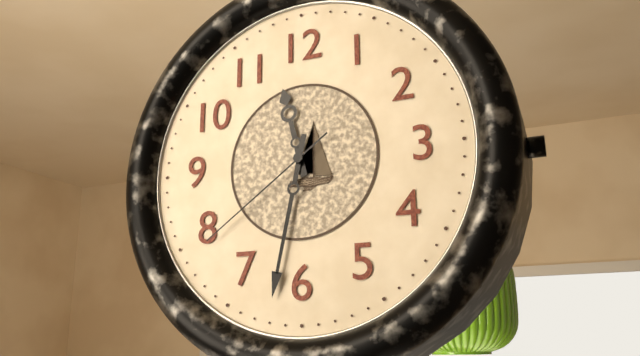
11.32.39
